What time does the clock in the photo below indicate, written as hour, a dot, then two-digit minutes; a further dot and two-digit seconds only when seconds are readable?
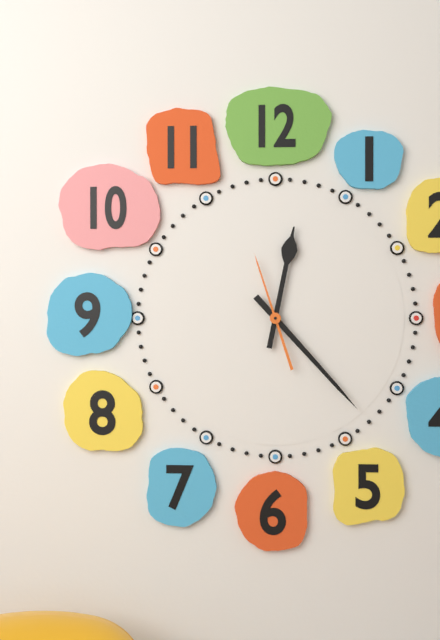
12.23.57
